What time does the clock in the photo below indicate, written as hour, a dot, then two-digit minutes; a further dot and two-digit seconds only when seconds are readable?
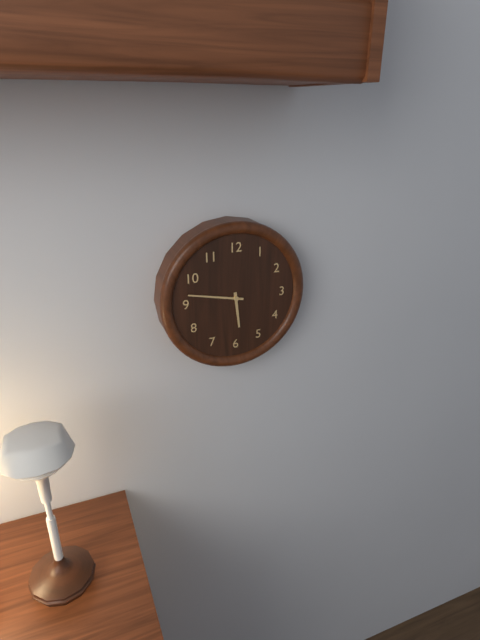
5.47
